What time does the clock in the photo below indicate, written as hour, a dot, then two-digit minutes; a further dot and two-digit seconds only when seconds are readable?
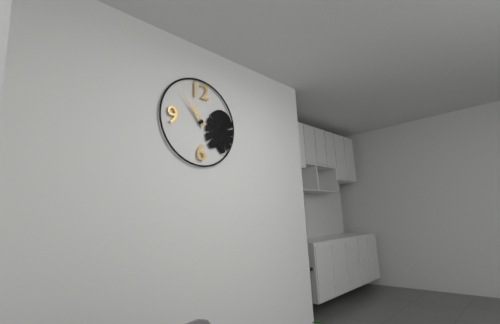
10.53
